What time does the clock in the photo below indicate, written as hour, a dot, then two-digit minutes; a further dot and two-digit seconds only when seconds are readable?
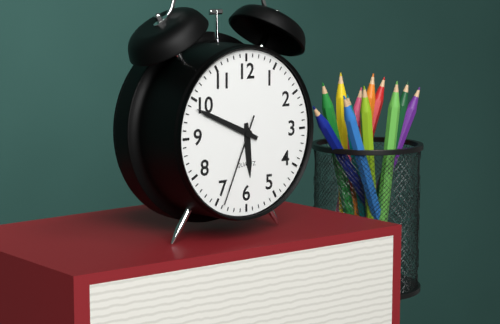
5.49.34
